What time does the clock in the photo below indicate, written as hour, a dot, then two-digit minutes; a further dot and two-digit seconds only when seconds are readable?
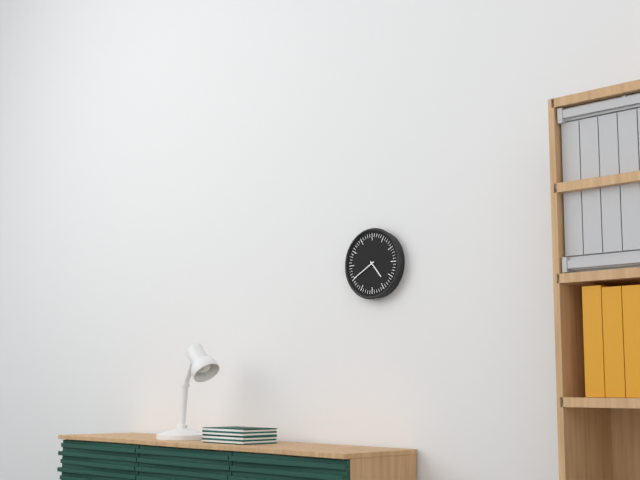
4.40
